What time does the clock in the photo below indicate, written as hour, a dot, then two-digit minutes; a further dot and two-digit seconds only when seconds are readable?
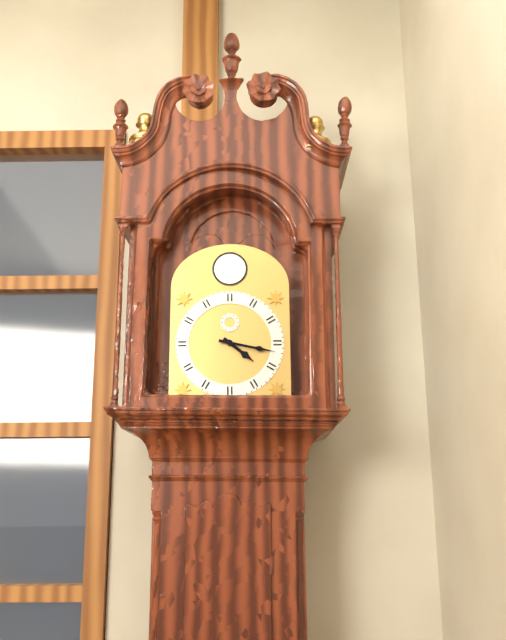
4.17
